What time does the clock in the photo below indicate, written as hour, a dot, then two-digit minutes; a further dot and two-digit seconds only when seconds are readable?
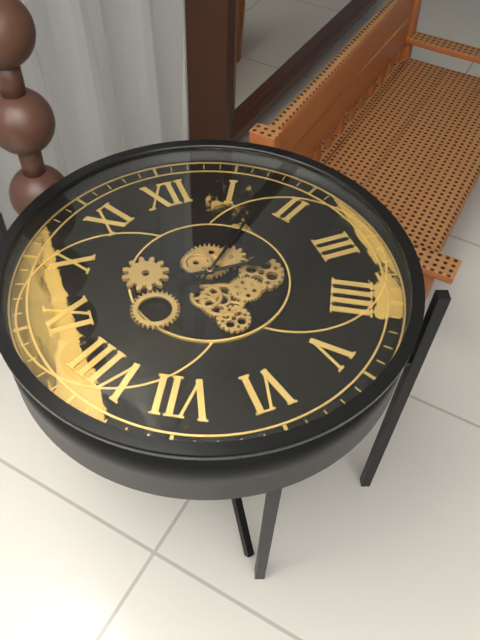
3.08
